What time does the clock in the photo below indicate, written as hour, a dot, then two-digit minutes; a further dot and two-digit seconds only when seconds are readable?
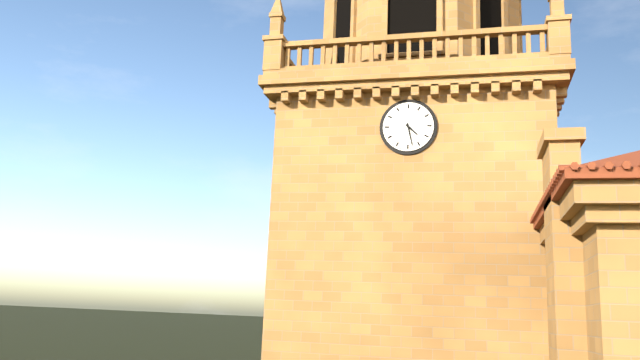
4.28
